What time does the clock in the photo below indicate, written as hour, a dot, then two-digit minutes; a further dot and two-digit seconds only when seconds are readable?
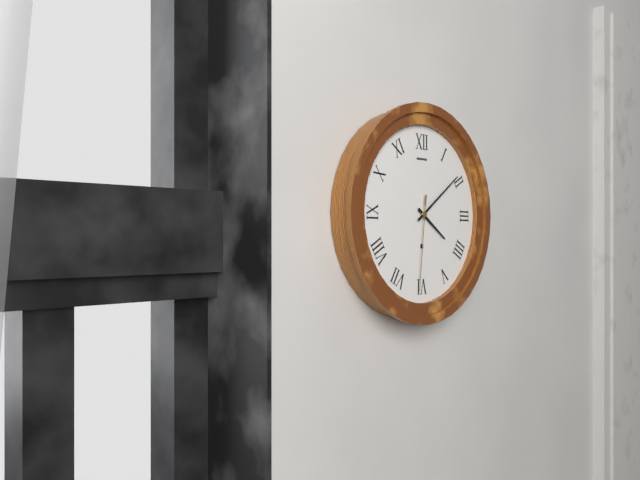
4.09.31
